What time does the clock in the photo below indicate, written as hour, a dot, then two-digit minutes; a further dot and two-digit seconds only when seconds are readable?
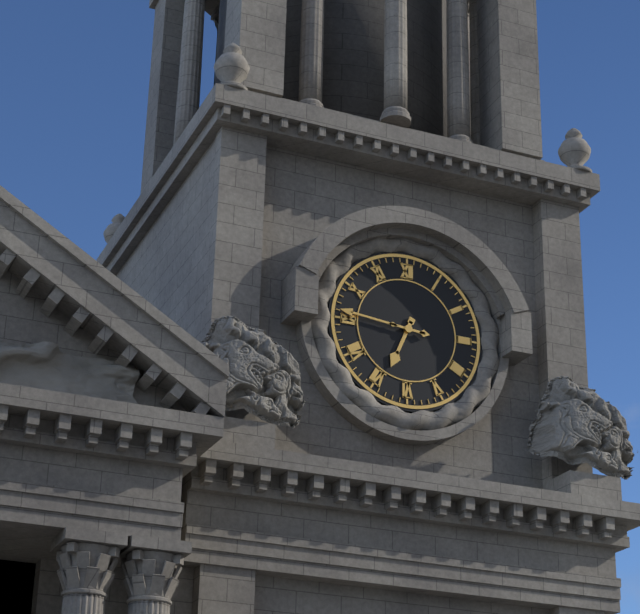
6.46
